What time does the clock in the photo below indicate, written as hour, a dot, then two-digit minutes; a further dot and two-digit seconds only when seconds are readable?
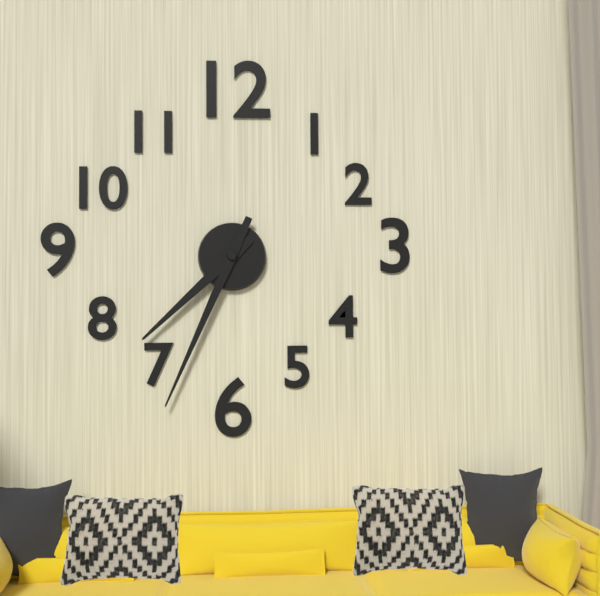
7.34
